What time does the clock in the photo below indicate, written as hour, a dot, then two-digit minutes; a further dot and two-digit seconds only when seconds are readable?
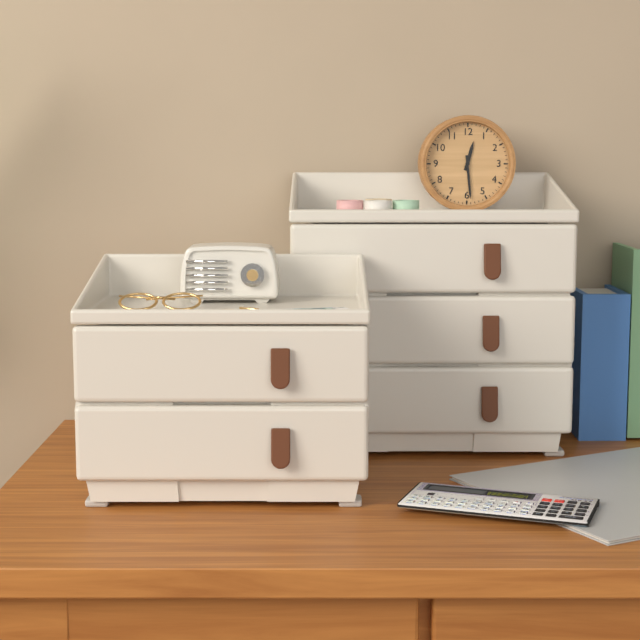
12.29
